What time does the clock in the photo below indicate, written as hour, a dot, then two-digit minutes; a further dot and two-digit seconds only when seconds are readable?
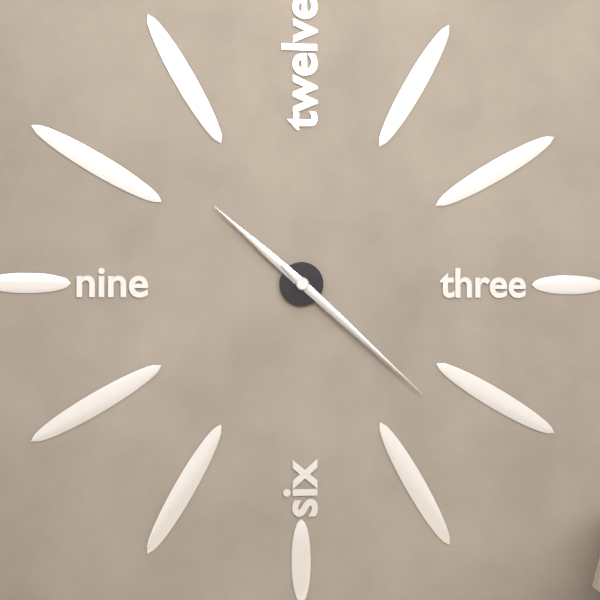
10.22
